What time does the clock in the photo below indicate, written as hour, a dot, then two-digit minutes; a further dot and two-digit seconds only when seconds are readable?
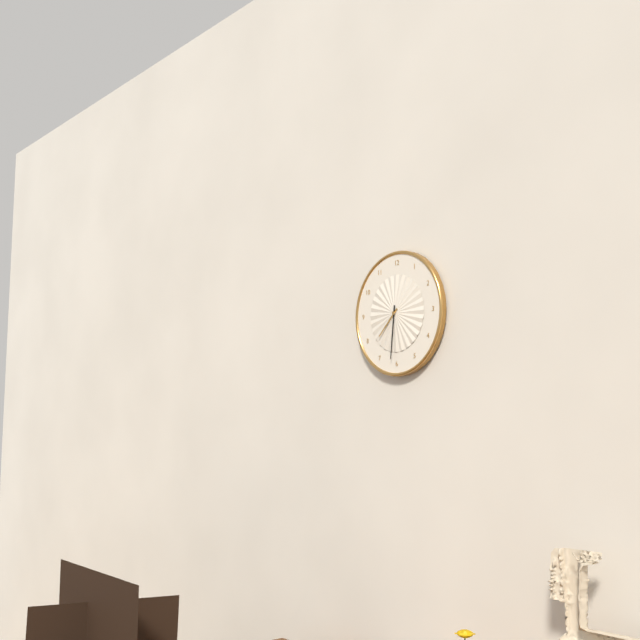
7.31
